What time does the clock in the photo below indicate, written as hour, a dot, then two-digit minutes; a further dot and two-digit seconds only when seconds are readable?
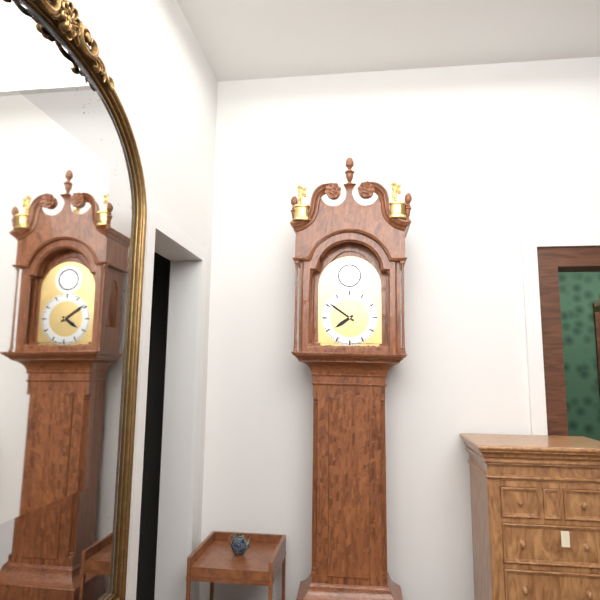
7.51
